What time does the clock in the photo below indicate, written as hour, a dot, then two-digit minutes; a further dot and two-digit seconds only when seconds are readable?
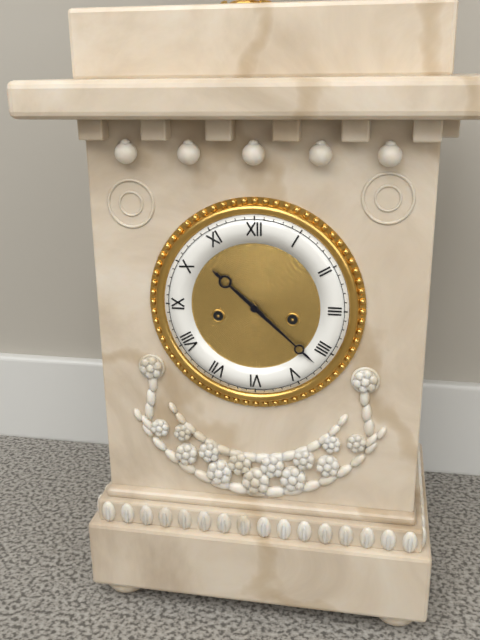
10.22
